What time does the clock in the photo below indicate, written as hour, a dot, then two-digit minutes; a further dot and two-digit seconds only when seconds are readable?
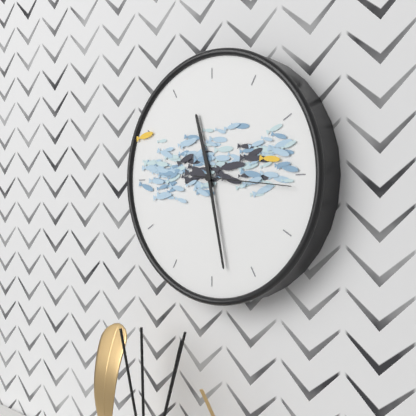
11.28.16
